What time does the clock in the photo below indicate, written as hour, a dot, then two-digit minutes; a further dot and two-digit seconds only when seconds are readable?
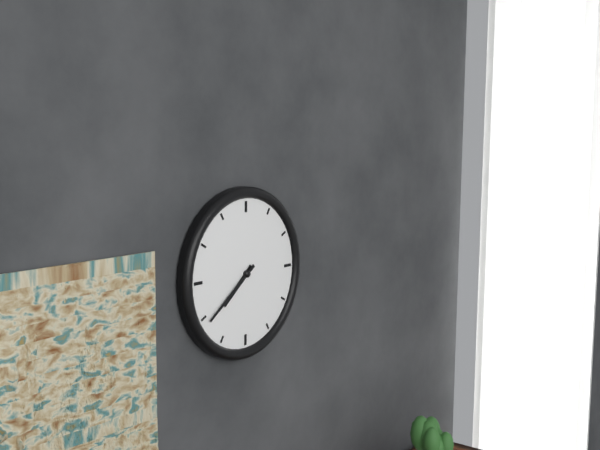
7.39
